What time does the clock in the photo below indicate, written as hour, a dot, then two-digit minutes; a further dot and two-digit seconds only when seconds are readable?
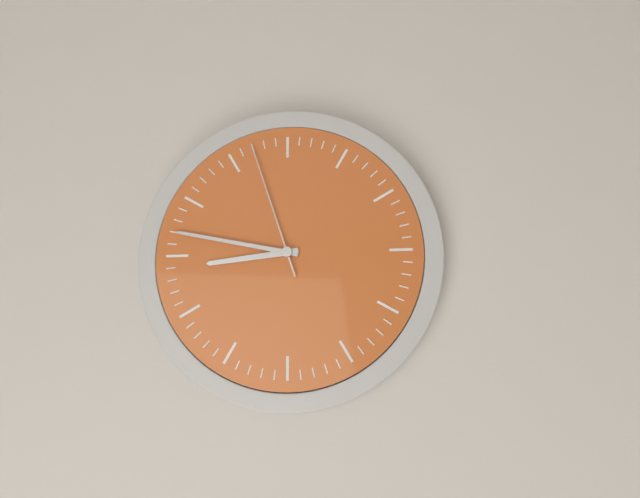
8.47.57
